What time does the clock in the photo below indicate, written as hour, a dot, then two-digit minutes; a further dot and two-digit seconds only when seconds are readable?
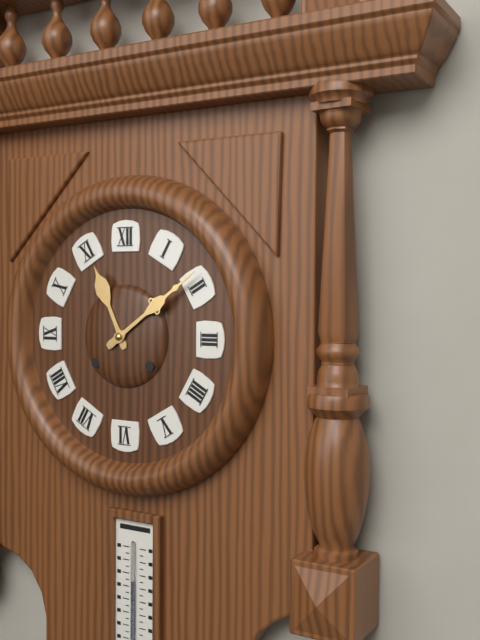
11.09
